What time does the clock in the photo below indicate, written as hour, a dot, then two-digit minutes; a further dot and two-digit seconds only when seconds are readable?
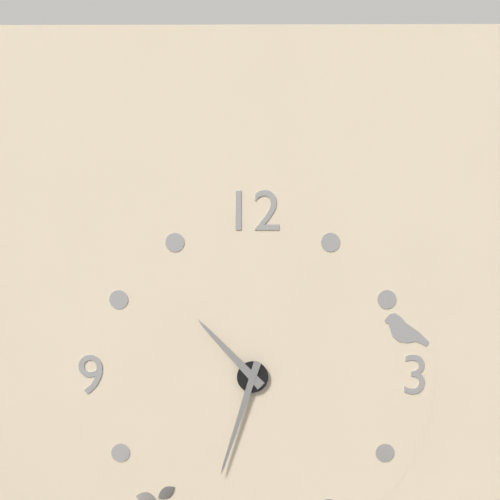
10.33
